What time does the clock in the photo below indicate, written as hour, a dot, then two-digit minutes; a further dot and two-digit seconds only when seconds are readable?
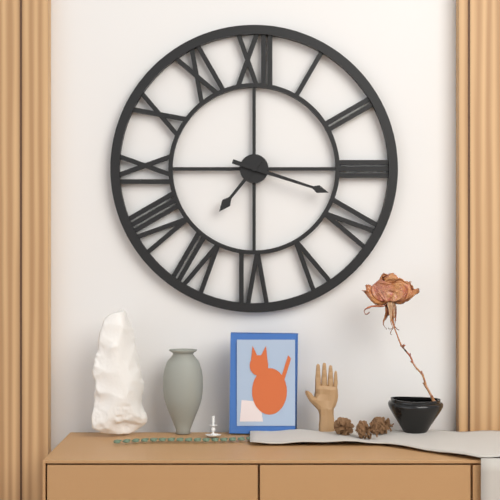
7.18
